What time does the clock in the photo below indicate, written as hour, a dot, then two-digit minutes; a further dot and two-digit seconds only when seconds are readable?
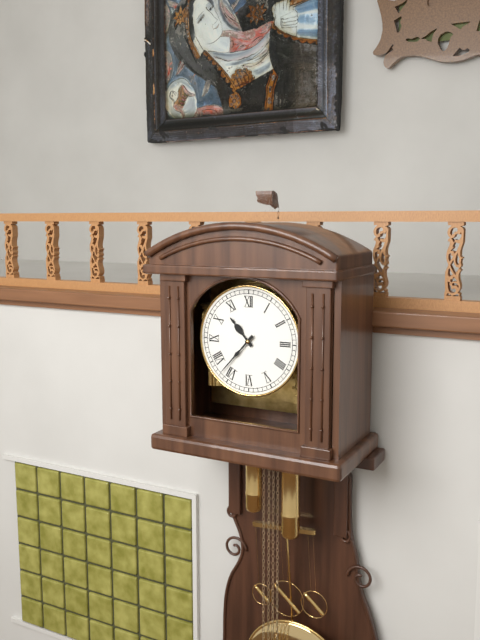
10.37
